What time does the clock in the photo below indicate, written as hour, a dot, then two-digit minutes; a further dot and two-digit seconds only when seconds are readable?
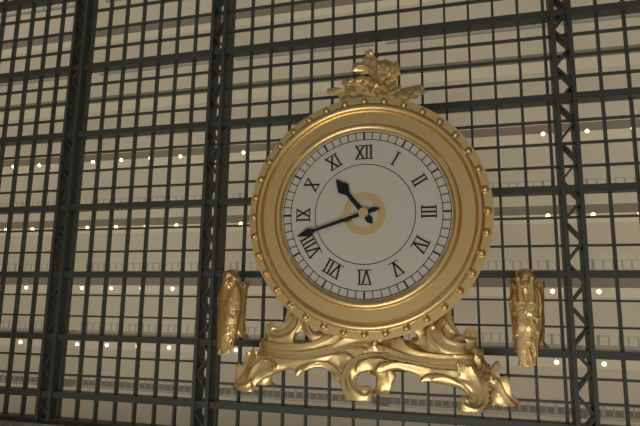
10.42
